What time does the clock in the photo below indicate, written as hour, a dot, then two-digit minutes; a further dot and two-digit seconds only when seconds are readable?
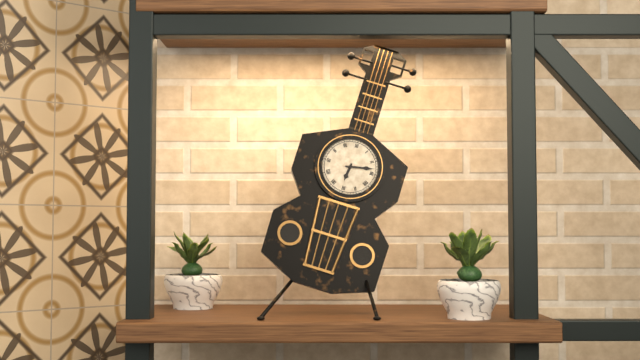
6.13
